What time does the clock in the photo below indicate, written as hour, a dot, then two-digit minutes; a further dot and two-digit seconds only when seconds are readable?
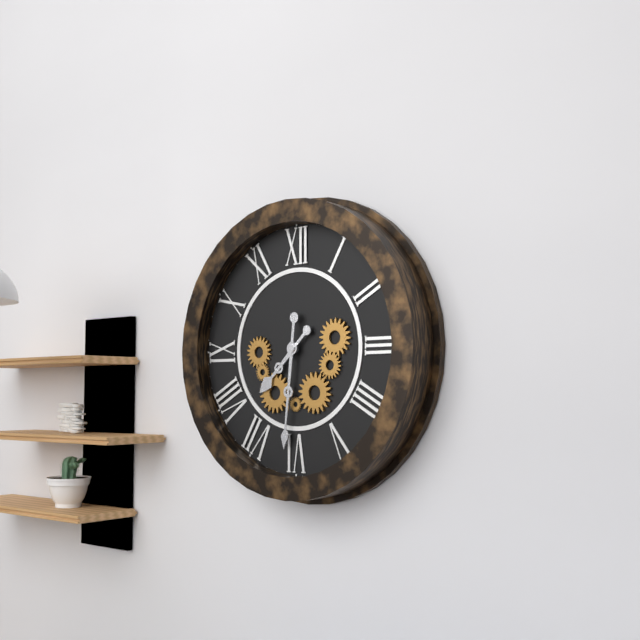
7.31
